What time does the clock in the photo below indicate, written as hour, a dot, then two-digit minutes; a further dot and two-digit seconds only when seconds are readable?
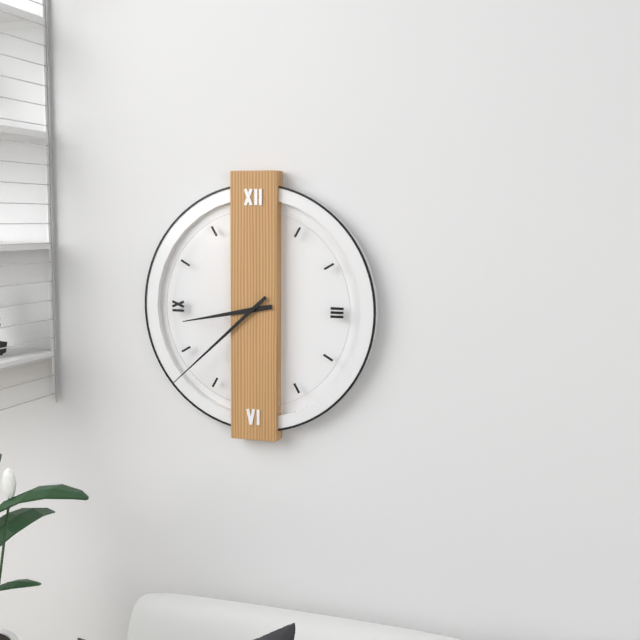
8.38
